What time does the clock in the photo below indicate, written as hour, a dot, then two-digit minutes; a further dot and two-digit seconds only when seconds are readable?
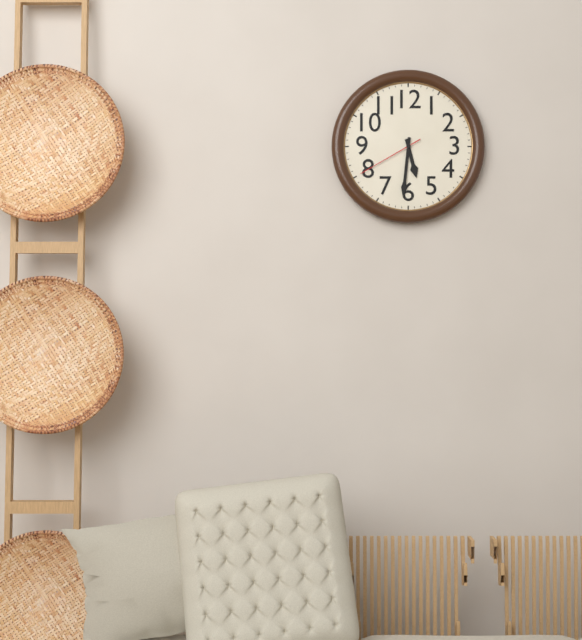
5.31.40
